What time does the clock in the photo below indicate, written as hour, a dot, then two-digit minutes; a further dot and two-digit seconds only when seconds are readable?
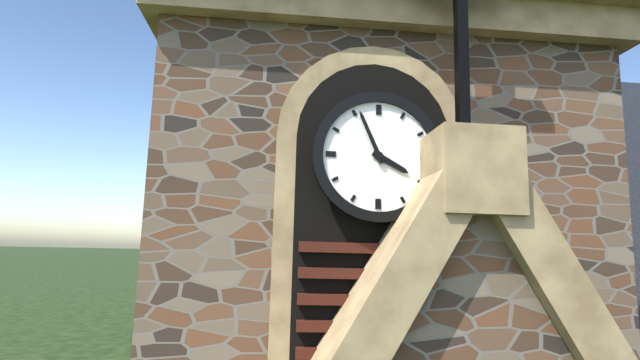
3.56
